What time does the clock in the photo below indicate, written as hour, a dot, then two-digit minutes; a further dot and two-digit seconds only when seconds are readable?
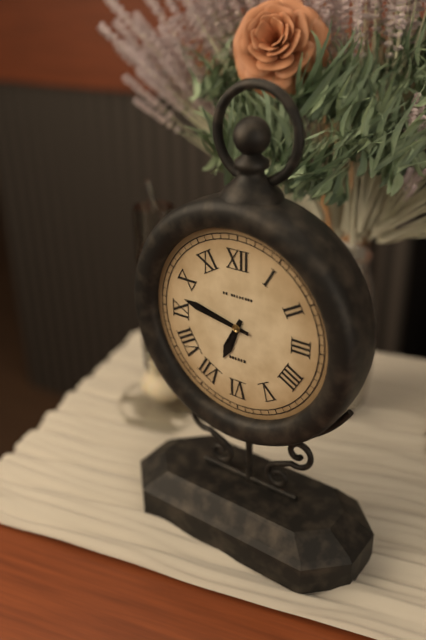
6.47
